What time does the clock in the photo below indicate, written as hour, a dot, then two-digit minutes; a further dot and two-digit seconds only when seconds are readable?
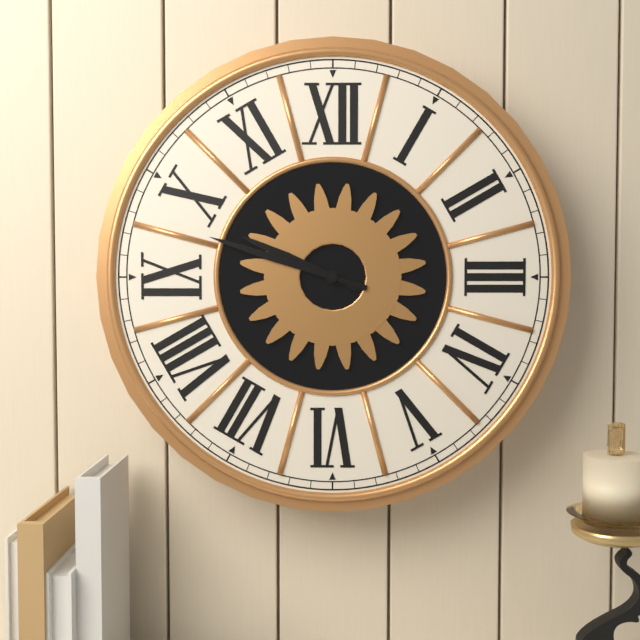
9.48
